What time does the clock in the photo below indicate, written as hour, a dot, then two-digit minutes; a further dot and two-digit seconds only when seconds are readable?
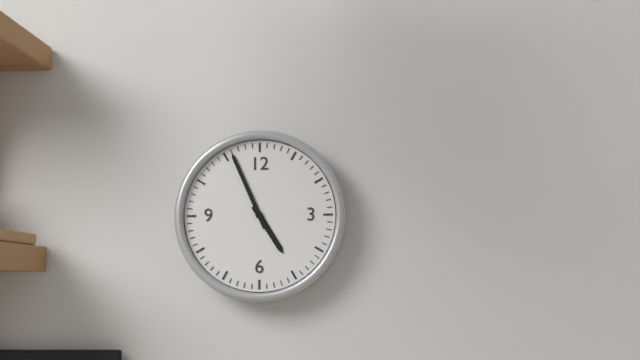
4.56
